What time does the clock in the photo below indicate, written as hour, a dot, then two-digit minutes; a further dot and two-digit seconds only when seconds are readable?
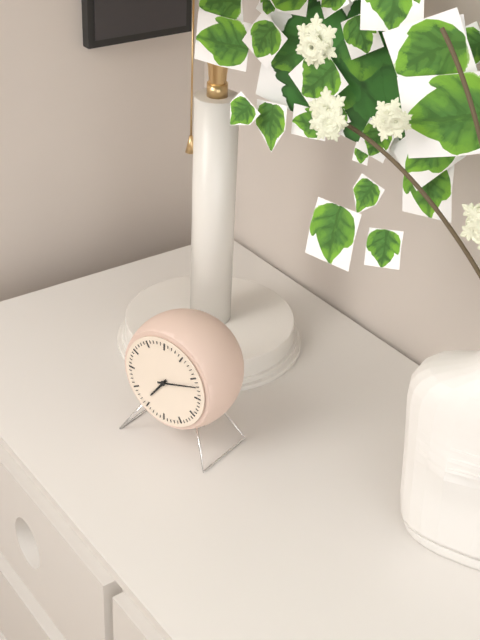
7.12
